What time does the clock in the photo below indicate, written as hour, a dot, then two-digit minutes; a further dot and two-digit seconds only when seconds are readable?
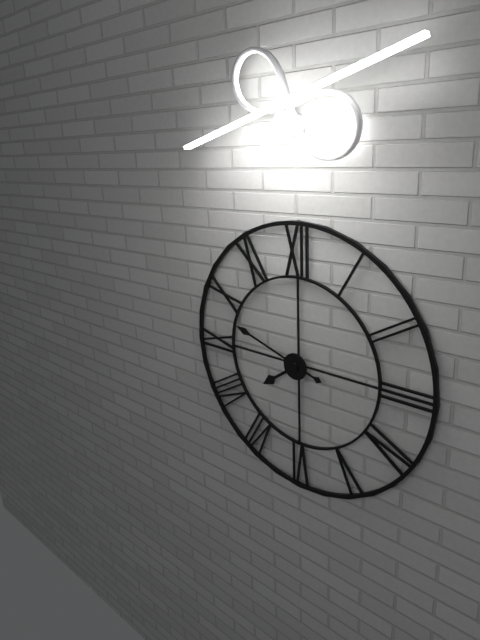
7.48
